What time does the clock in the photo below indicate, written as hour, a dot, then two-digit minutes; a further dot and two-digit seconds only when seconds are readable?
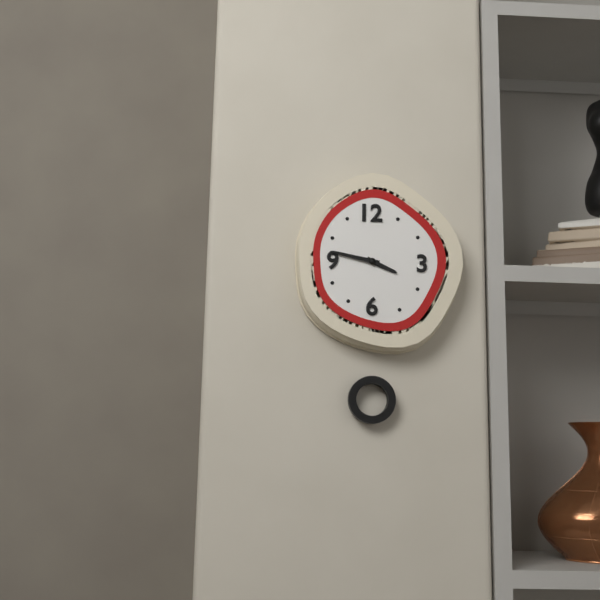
3.47
